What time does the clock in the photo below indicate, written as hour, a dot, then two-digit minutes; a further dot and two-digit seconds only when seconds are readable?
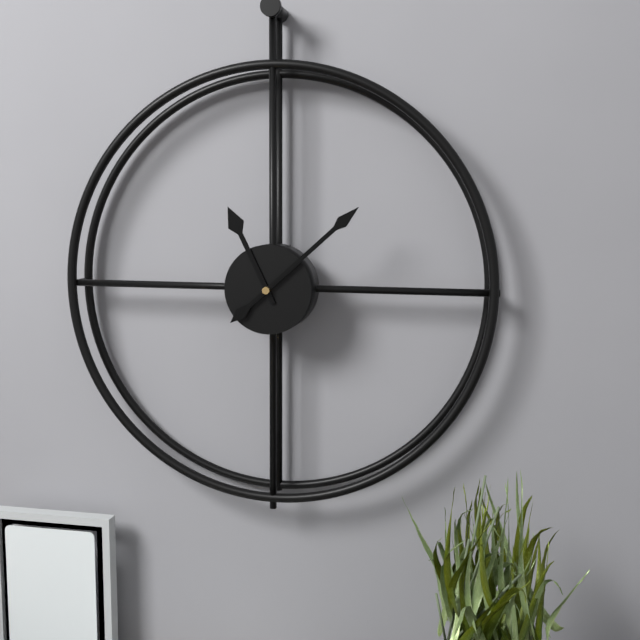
11.08
